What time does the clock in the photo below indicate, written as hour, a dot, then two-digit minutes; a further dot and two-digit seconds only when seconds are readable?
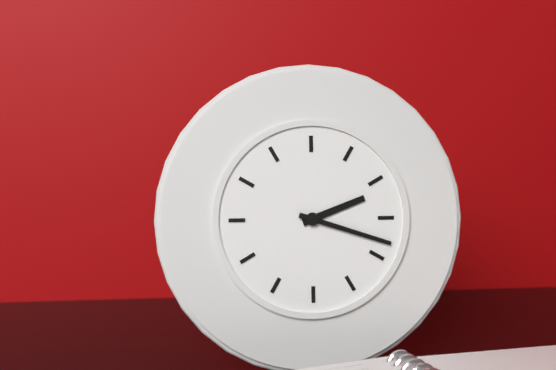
2.18
